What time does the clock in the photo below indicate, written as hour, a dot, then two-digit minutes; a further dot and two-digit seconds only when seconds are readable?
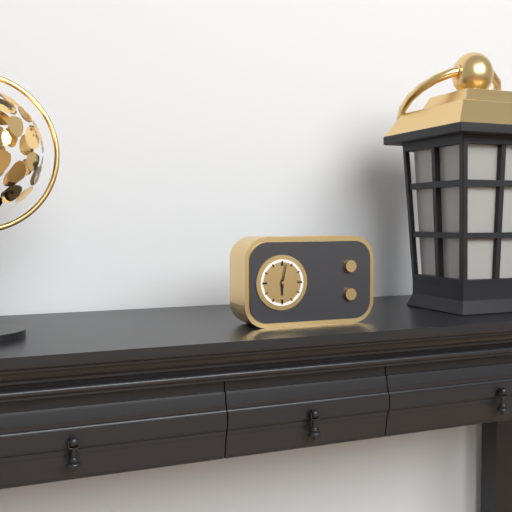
6.02
